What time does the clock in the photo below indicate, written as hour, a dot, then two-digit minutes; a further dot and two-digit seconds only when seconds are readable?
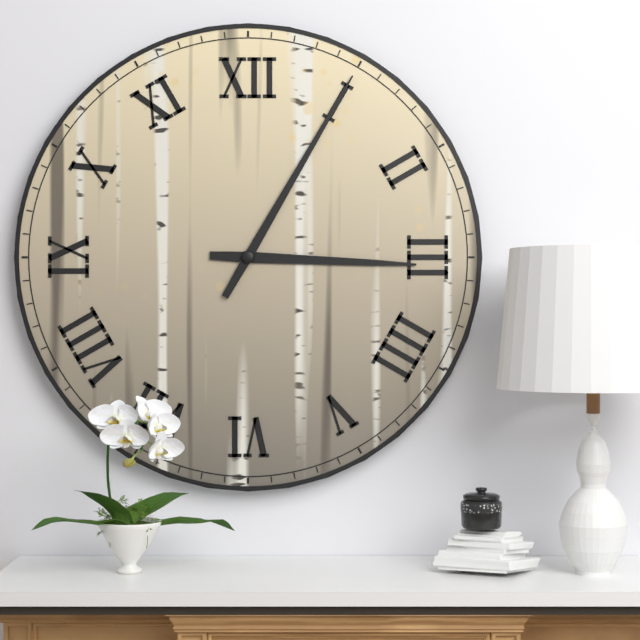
3.05
